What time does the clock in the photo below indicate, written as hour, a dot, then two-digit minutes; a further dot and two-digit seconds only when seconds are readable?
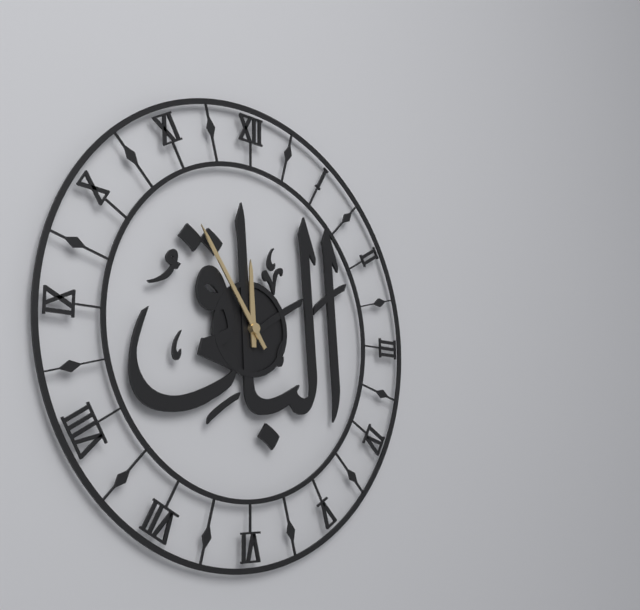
11.54
